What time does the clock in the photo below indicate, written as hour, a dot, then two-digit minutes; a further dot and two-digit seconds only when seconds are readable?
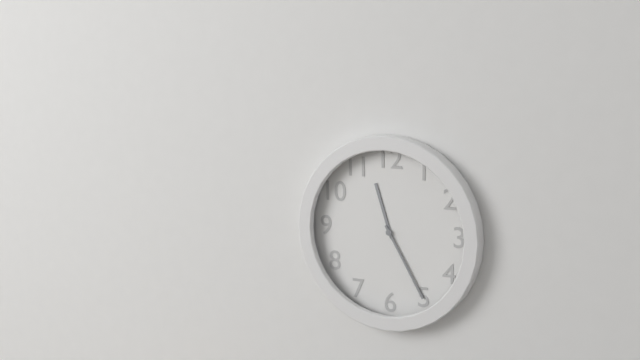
11.25
